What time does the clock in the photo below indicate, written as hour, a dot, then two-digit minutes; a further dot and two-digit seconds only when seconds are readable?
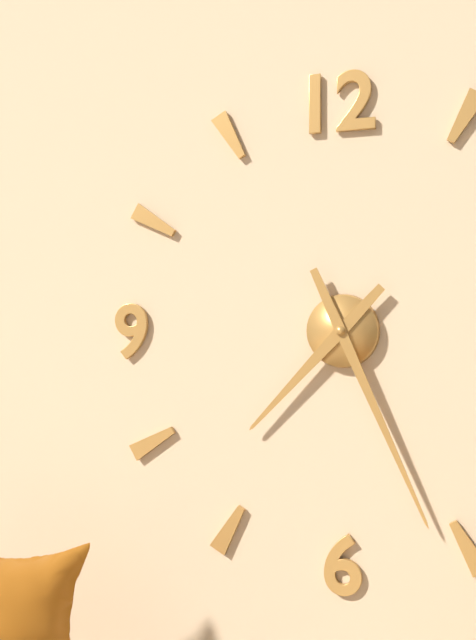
7.26
